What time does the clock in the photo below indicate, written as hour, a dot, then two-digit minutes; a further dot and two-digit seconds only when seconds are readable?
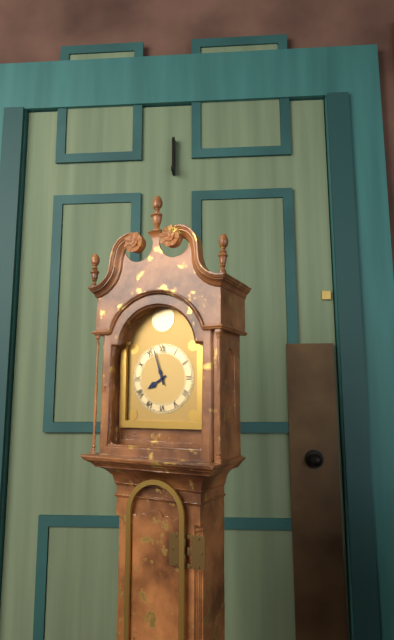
7.57
